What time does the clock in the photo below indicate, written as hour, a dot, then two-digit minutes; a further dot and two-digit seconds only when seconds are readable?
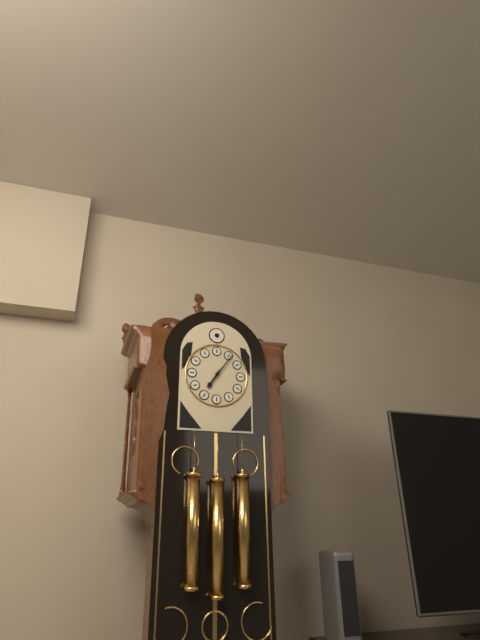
7.06
